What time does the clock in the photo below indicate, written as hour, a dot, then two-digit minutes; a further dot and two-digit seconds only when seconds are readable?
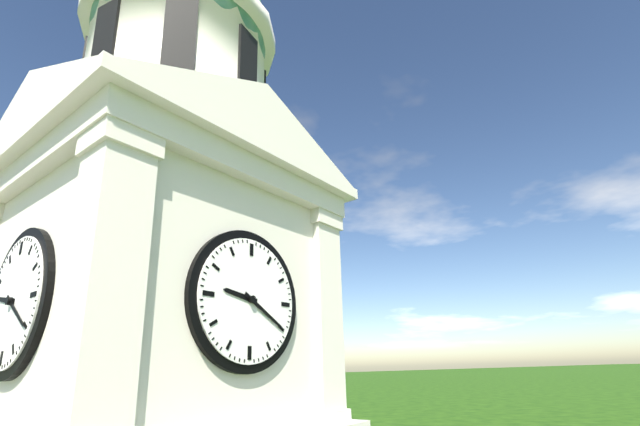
9.20
